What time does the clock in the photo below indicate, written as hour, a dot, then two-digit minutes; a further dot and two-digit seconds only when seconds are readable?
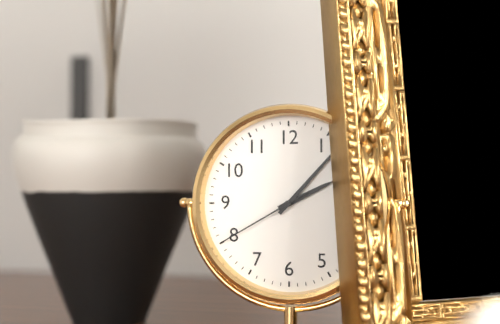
2.07.40
